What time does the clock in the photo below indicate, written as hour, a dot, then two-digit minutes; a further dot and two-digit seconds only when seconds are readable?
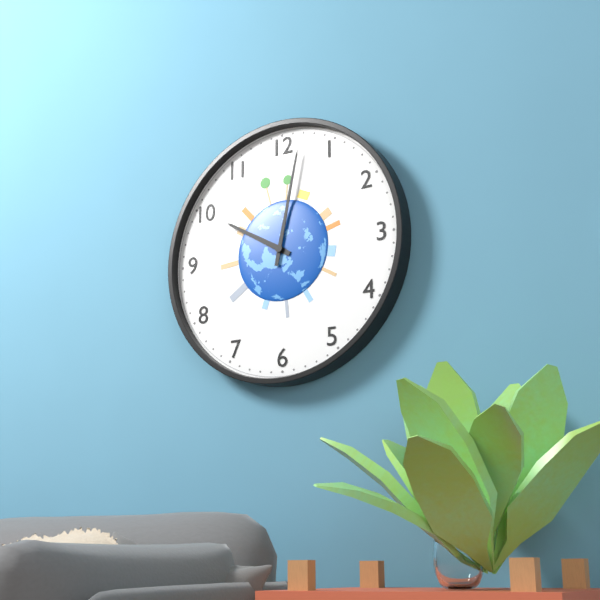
10.02
